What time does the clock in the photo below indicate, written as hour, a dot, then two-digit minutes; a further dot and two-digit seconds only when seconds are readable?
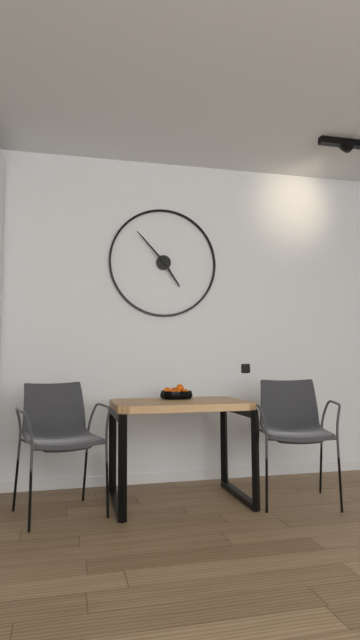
4.53
